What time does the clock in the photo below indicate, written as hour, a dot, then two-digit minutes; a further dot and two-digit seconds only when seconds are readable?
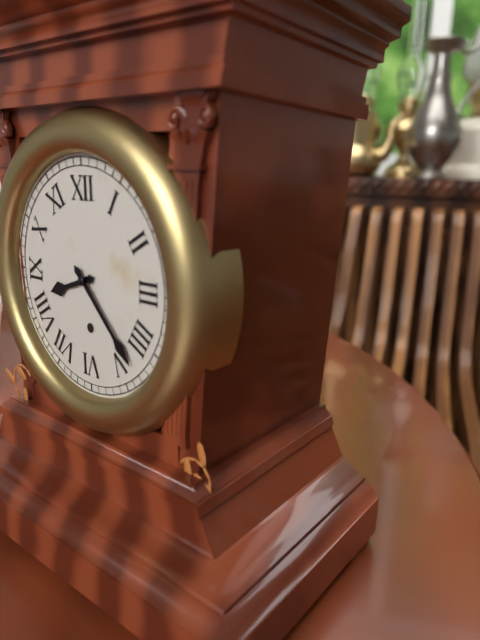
8.23
